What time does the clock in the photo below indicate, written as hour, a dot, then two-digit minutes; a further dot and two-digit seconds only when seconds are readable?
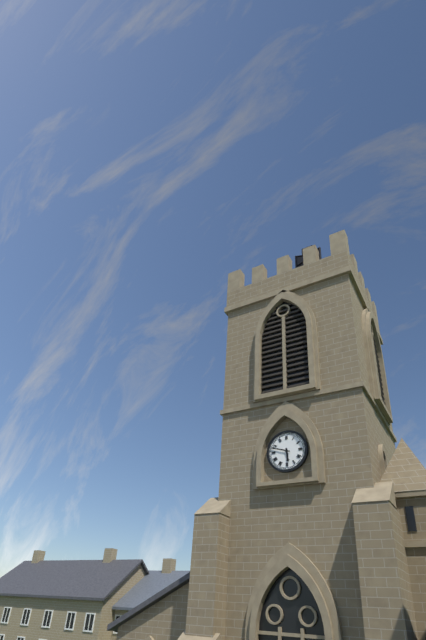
5.48
